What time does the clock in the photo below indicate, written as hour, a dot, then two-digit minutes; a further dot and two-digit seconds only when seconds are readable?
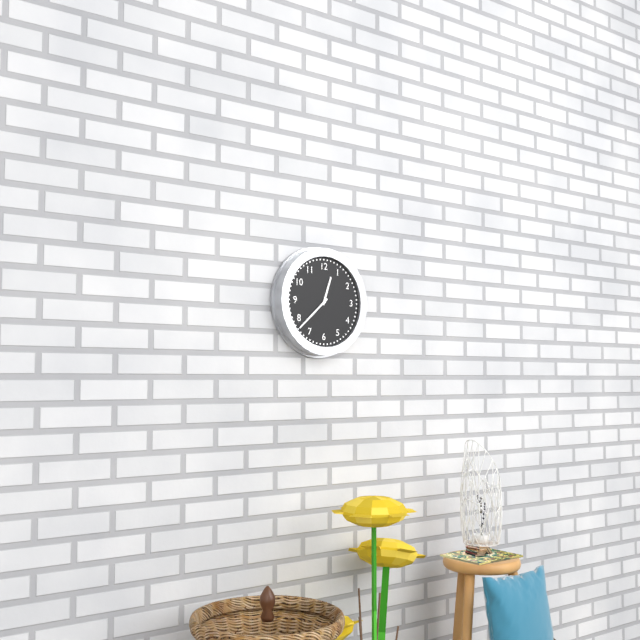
12.38
